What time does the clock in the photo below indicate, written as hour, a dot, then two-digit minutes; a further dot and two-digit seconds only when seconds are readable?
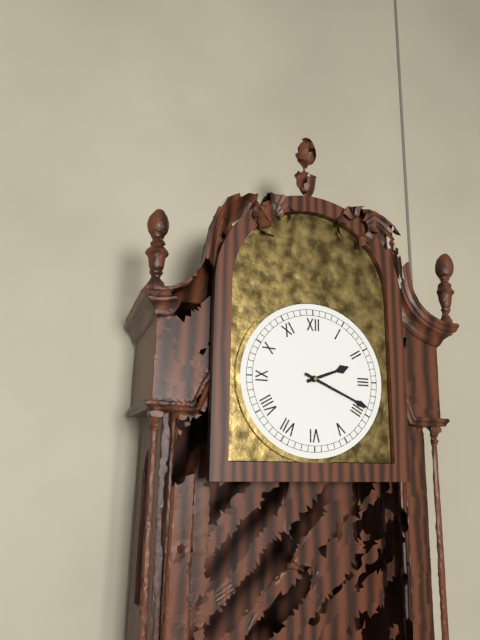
2.19
